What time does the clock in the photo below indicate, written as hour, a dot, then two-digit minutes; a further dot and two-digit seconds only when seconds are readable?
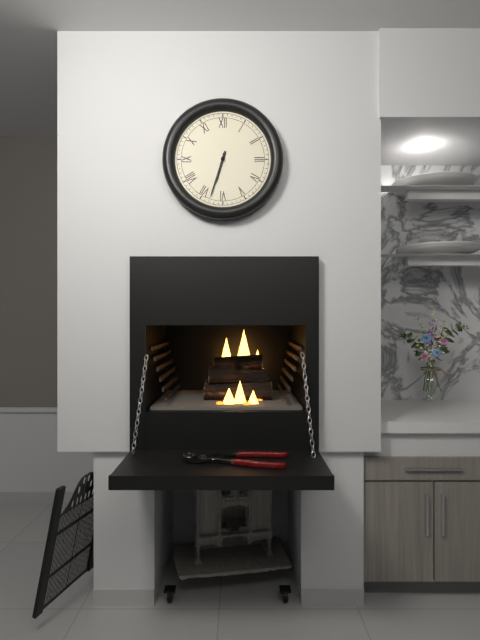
6.33
